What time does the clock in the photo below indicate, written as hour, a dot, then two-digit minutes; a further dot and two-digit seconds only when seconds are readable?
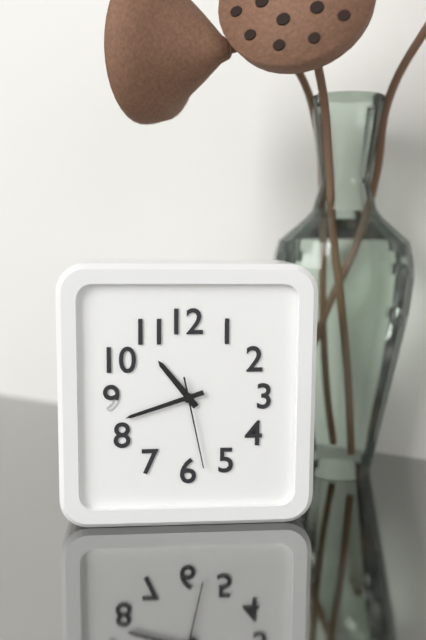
10.42.28
